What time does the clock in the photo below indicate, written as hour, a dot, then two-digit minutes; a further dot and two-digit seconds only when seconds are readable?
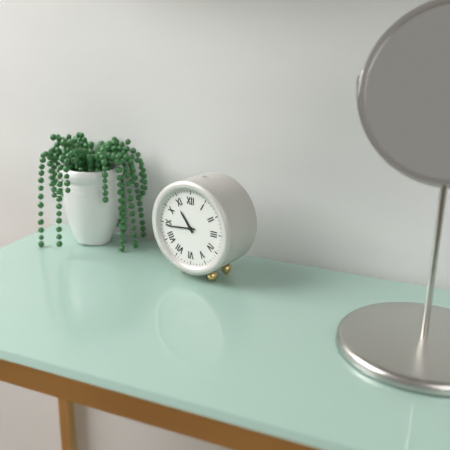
10.44
